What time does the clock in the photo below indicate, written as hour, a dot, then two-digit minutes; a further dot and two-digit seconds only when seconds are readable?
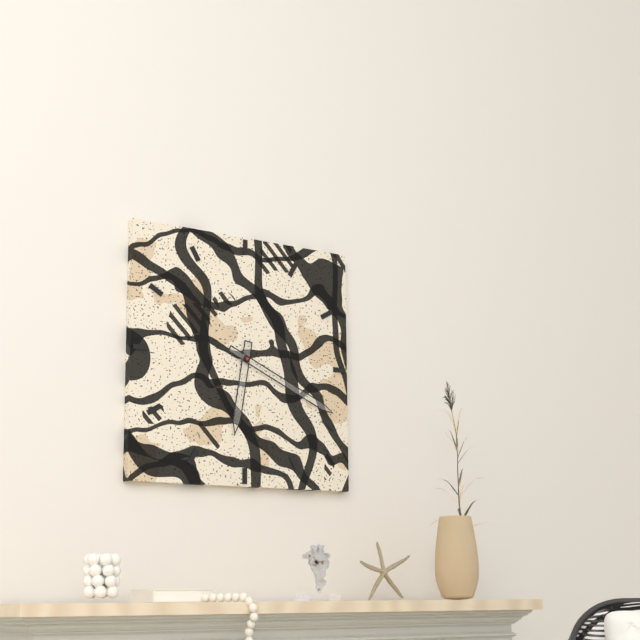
6.19
